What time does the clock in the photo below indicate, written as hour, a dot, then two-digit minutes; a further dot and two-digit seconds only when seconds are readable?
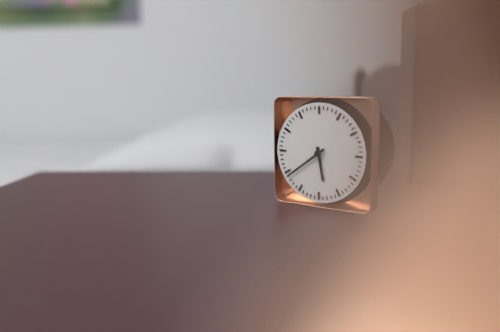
5.39
